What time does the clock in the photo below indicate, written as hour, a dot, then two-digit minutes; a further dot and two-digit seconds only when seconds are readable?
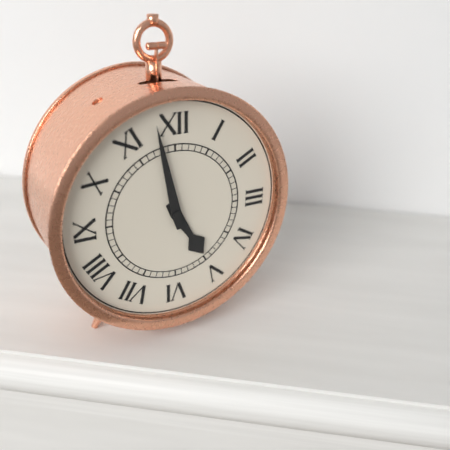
4.58
